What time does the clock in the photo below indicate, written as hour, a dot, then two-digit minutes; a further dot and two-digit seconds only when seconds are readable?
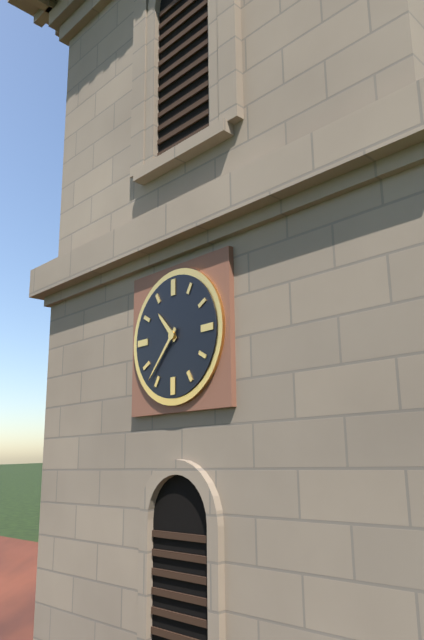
10.37
